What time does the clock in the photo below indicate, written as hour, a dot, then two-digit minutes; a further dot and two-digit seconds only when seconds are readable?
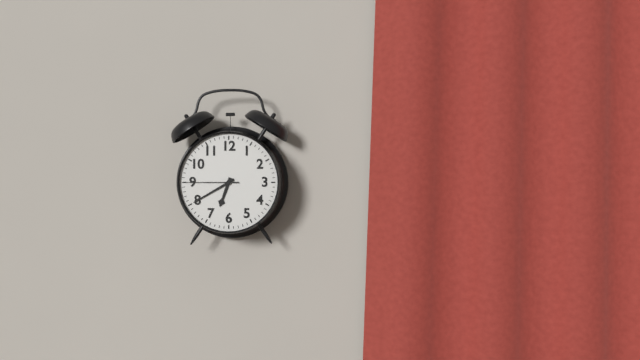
6.40.45
